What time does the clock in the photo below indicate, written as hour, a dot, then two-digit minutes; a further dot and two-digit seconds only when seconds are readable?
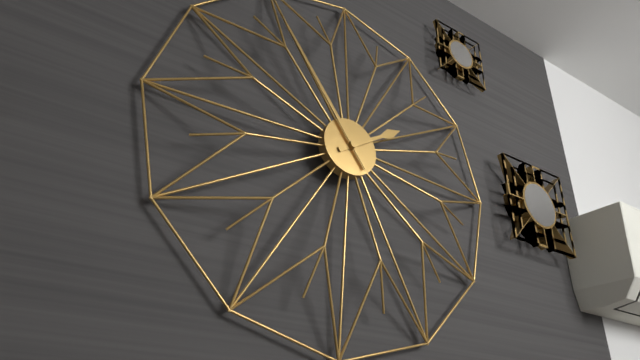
1.54
